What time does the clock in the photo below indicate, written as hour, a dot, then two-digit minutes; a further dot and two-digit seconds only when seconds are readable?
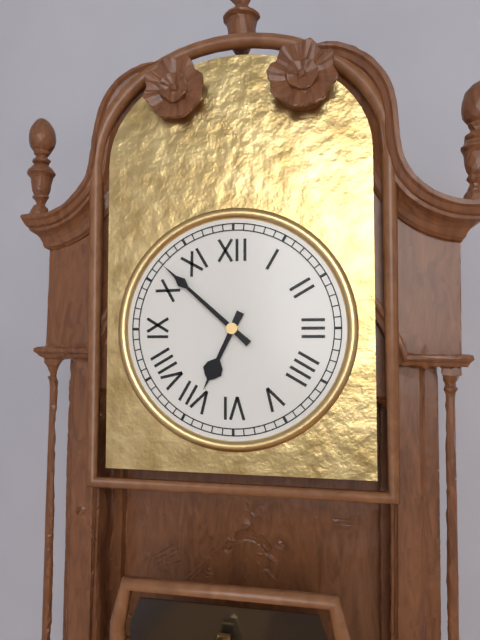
6.52
